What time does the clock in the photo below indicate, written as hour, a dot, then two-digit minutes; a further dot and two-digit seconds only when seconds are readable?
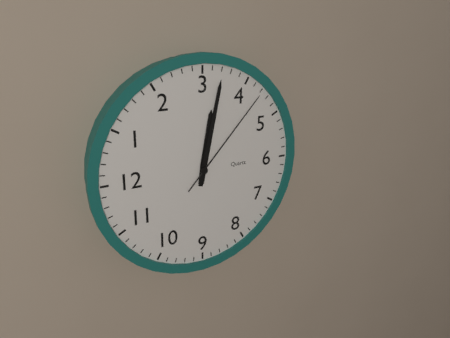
3.17.22
